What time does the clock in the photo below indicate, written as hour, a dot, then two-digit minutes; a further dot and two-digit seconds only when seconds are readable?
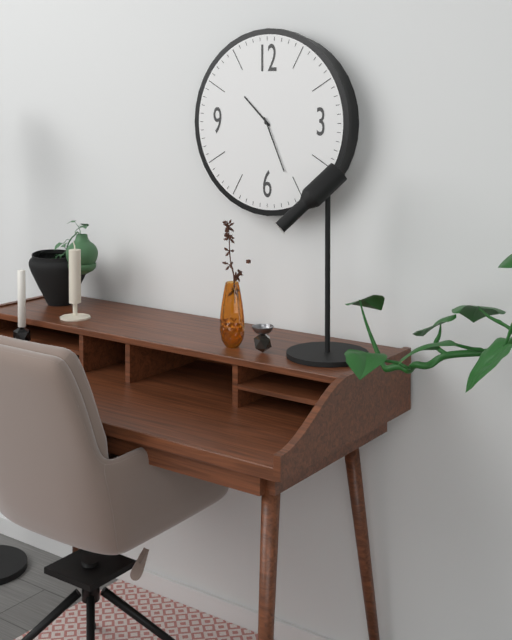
10.26
